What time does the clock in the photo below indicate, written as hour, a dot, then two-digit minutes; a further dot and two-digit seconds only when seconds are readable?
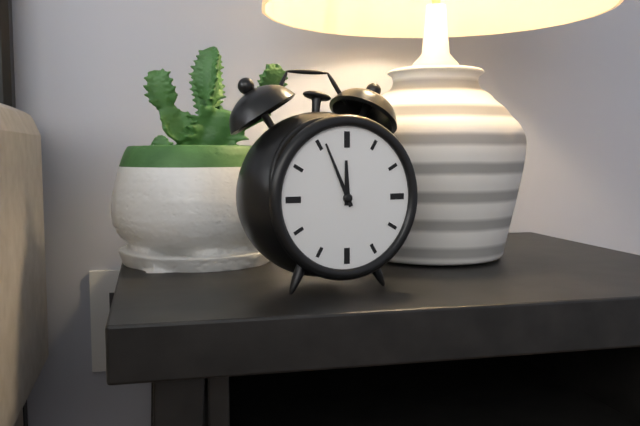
11.56
